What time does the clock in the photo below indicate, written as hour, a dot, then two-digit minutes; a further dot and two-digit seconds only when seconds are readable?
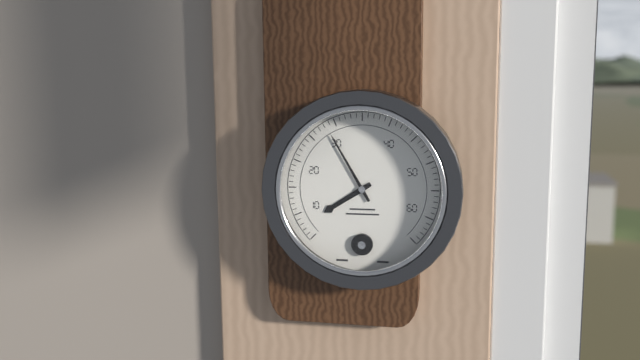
7.55
